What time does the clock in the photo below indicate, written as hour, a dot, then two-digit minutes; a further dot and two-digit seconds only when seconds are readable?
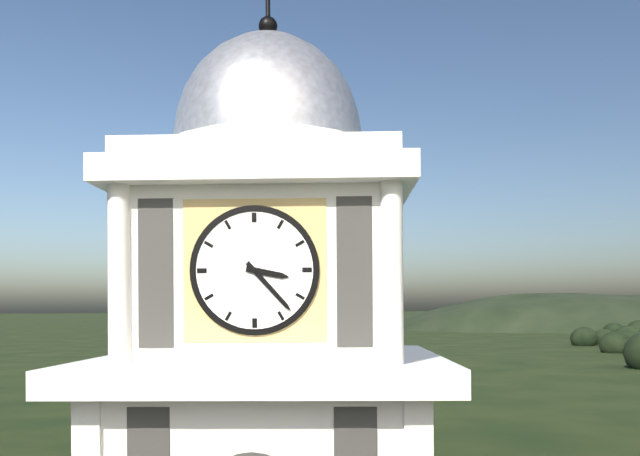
3.23
